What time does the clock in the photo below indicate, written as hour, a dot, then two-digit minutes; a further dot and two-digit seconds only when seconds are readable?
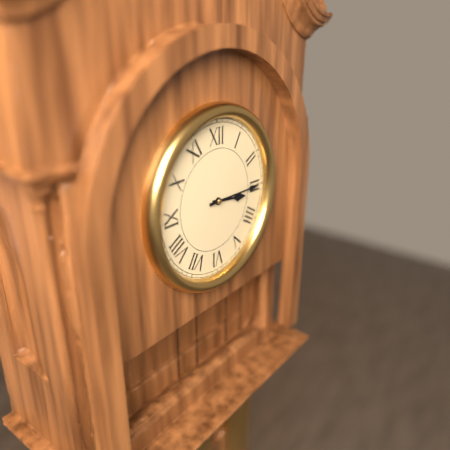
3.15
